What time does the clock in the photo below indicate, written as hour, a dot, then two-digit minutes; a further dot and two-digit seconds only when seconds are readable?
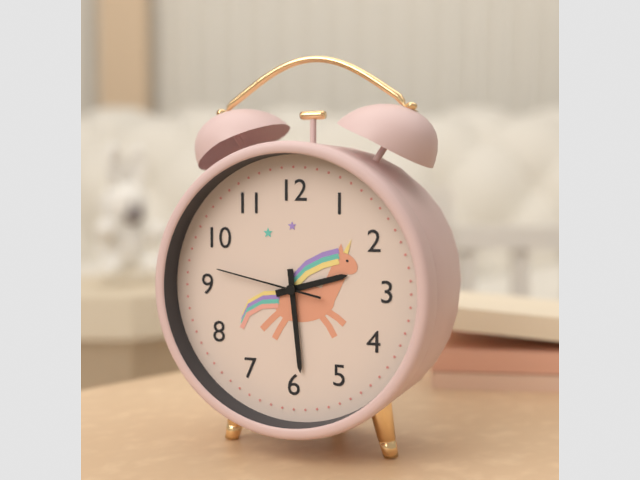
2.29.47
